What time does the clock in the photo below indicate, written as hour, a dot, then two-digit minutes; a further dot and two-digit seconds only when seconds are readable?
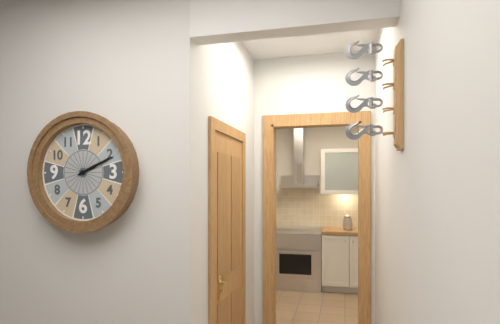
2.11
